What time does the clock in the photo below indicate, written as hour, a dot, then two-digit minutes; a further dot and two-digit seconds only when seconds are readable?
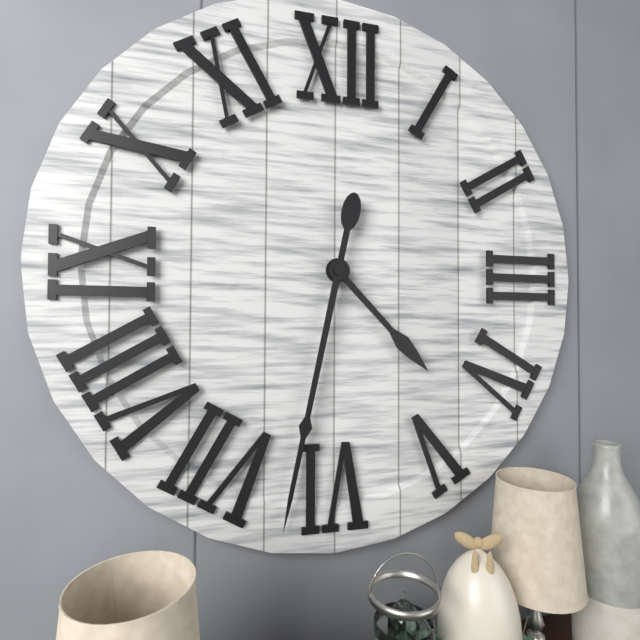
4.32
